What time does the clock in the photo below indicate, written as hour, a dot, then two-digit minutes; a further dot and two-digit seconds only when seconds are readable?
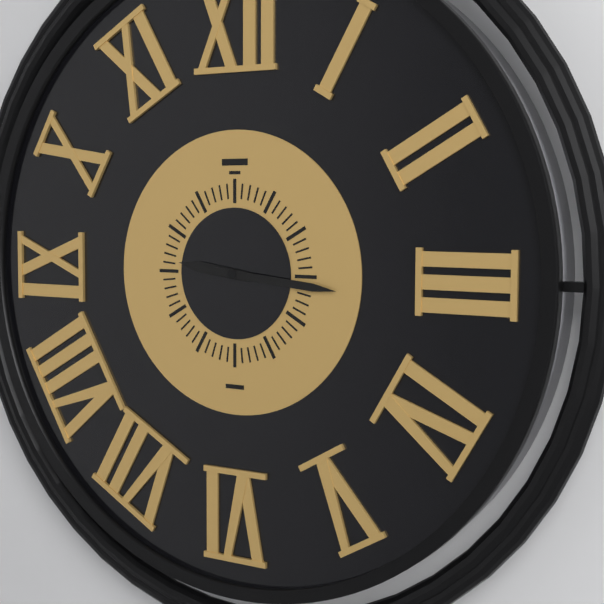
9.16
